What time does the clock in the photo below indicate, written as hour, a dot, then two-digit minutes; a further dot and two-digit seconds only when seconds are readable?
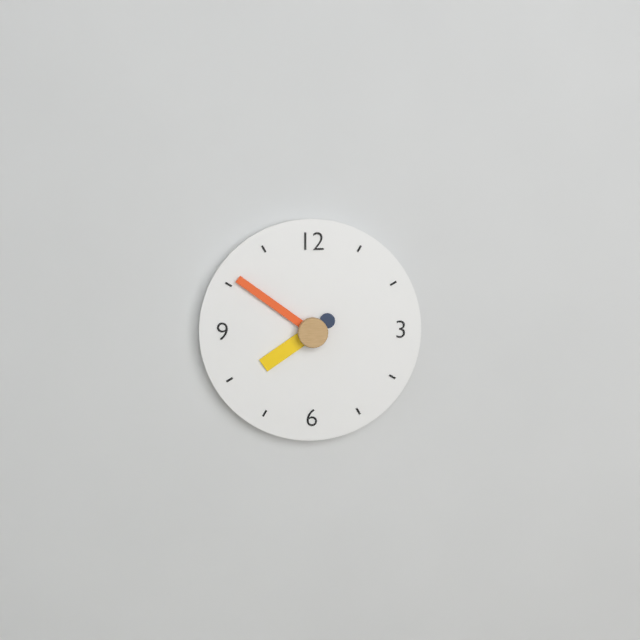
7.51
